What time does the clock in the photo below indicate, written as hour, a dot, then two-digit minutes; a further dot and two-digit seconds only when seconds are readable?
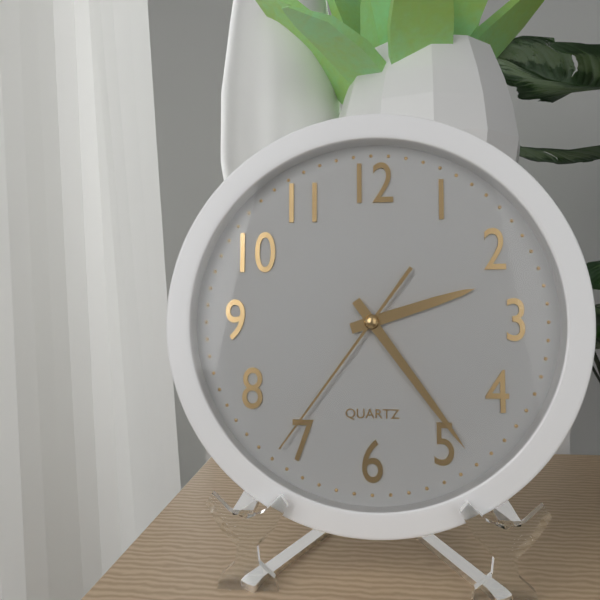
2.24.36
